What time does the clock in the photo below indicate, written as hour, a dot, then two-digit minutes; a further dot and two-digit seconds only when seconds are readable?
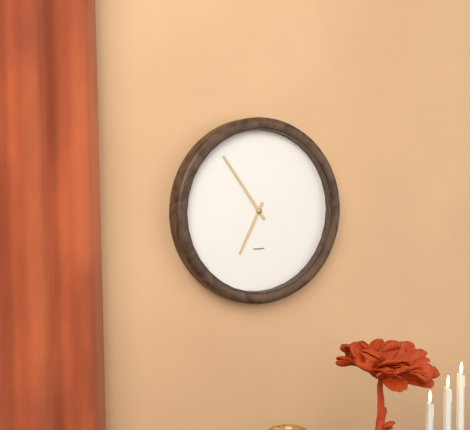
6.54
